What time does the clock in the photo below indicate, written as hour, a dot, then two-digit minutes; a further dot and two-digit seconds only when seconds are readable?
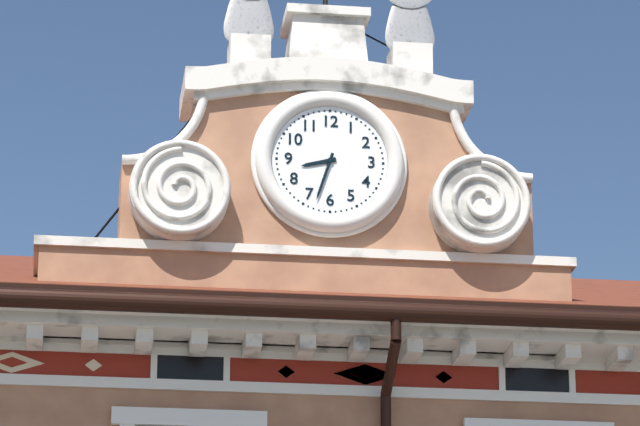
8.33
